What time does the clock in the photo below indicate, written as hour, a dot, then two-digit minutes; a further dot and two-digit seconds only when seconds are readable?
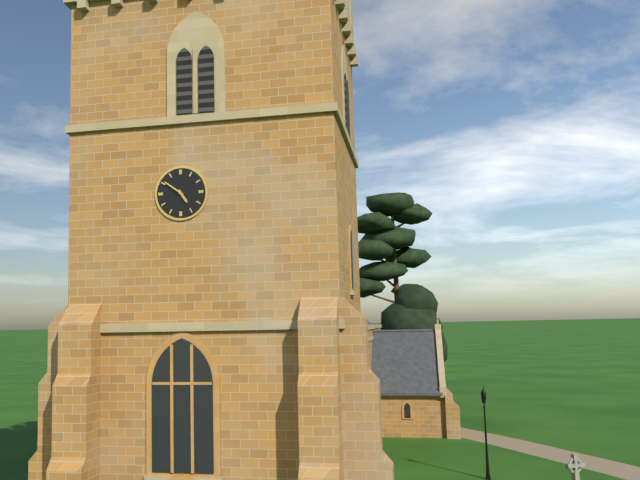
4.51
